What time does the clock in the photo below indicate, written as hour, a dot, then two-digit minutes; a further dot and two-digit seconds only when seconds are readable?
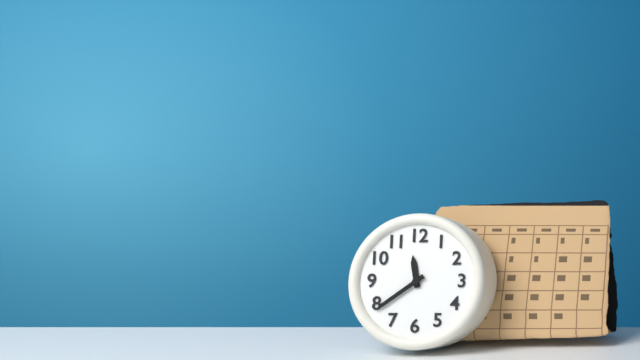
11.39
